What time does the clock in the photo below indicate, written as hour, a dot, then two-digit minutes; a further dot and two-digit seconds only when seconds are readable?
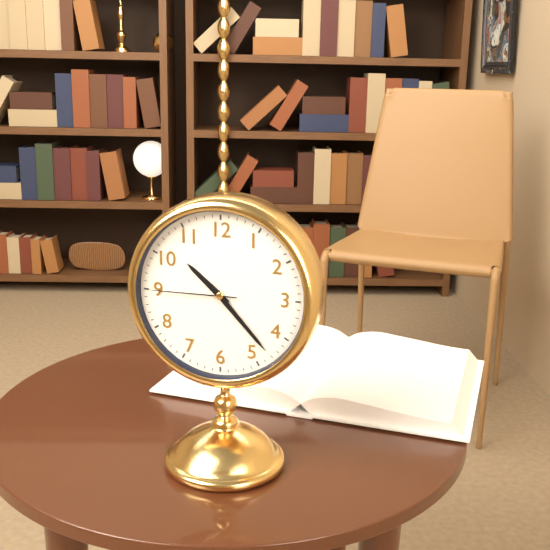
10.23.45
